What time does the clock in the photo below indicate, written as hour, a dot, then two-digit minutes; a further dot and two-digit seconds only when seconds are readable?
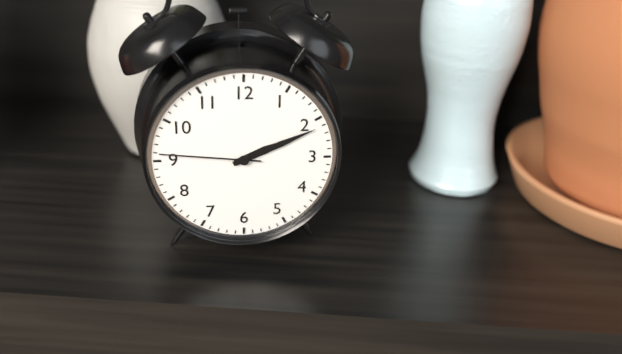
2.11.46
